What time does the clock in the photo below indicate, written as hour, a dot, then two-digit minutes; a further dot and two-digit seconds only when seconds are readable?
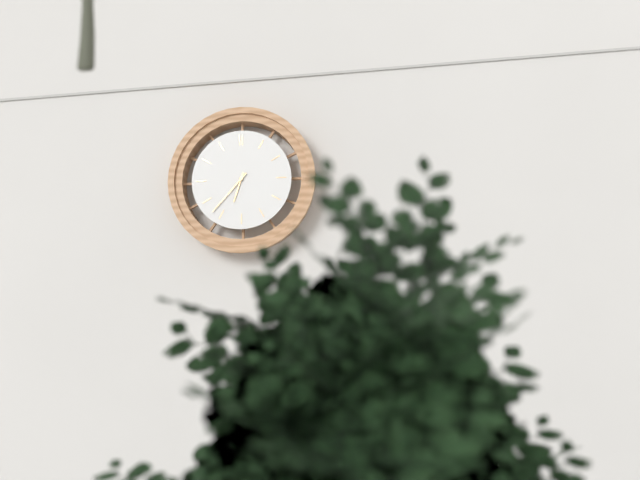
6.37
